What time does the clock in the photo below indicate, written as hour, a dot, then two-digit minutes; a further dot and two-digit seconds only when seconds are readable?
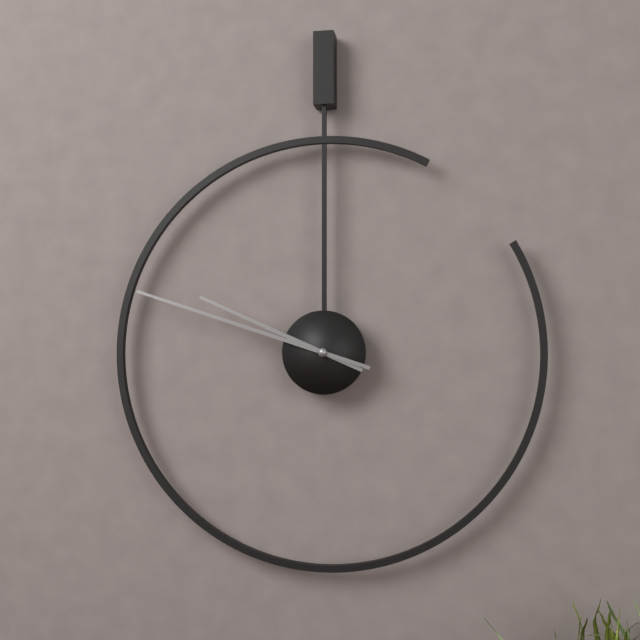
9.48
